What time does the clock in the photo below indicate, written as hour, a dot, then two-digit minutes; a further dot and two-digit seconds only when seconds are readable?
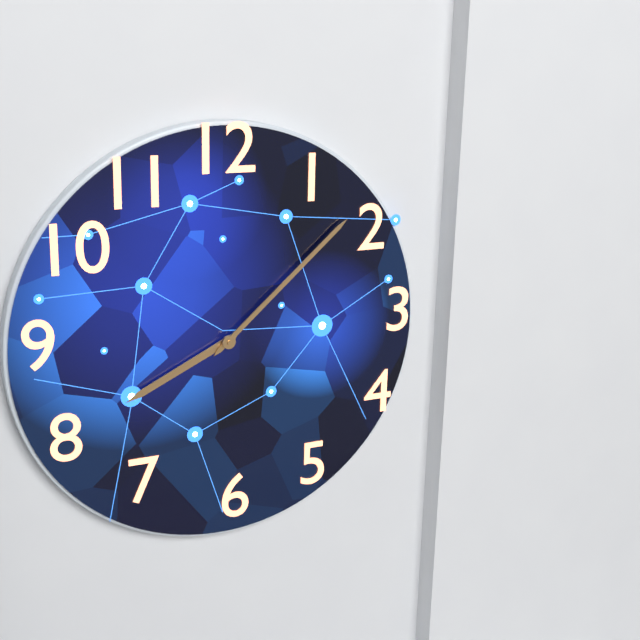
8.08
